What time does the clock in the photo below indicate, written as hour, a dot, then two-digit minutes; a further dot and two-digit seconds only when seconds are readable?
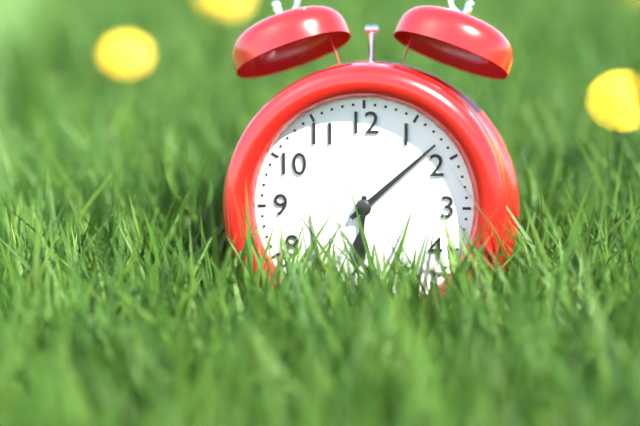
6.08
